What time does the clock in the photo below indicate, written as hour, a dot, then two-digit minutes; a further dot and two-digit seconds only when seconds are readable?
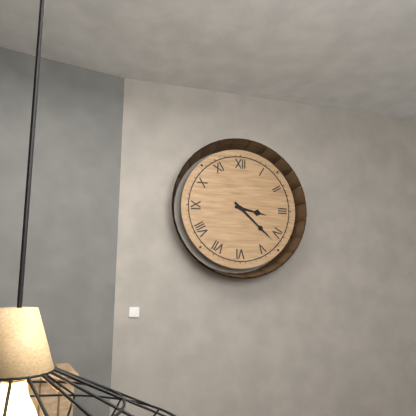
3.22
